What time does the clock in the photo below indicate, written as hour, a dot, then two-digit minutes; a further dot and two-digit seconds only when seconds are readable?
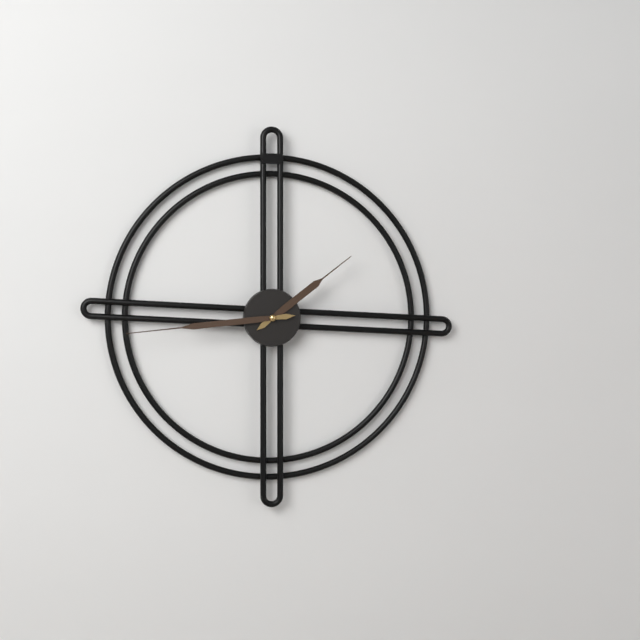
1.44
